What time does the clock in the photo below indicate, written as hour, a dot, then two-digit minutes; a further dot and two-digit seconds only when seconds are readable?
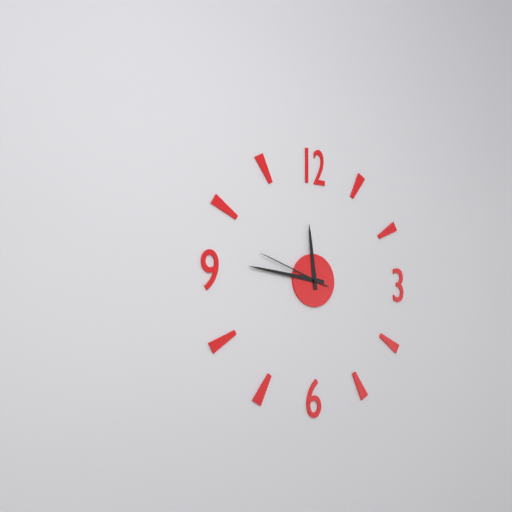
11.46.48
